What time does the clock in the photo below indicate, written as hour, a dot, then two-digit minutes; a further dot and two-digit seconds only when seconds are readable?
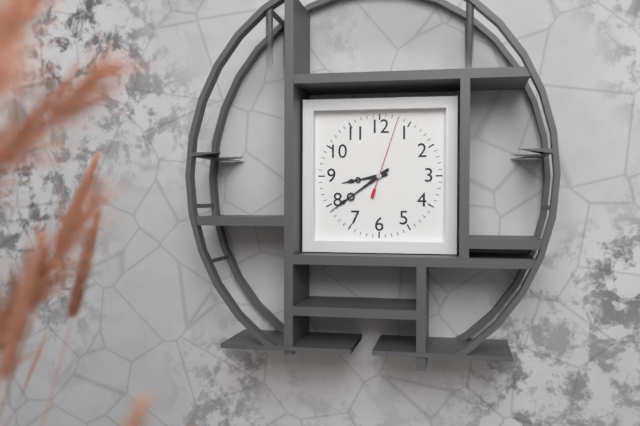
8.39.03
